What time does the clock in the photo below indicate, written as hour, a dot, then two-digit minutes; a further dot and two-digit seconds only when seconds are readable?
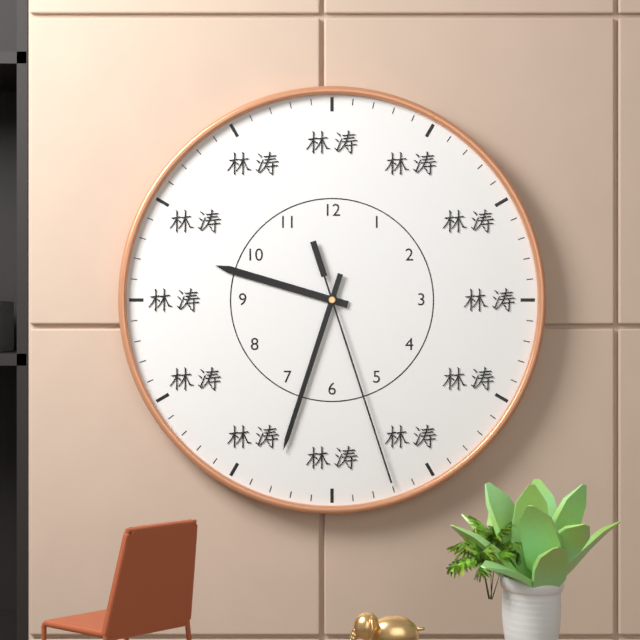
9.33.27
